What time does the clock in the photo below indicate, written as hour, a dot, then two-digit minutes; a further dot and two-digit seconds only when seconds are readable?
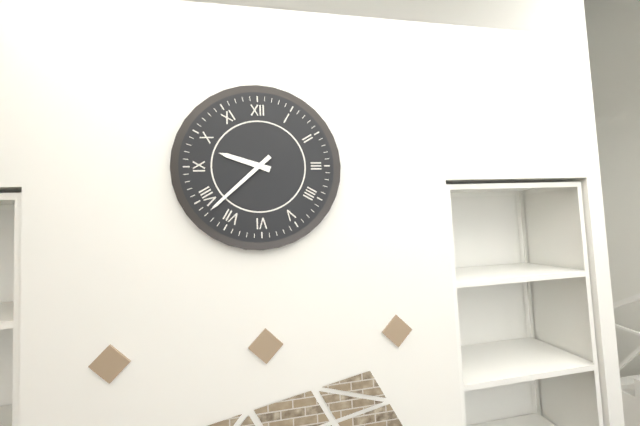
9.38
